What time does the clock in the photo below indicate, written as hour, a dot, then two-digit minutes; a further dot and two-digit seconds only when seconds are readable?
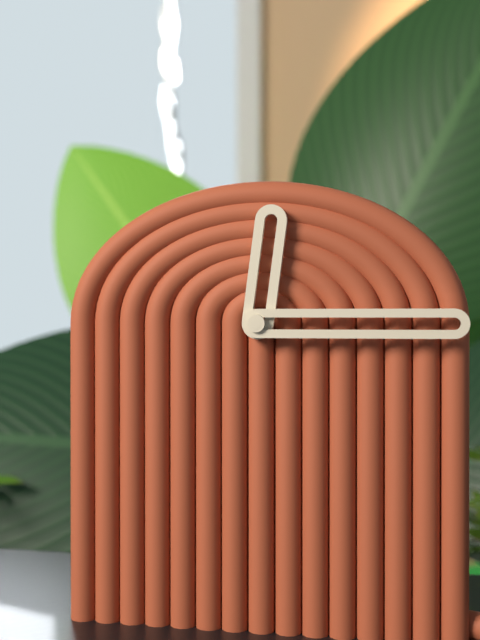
12.15
